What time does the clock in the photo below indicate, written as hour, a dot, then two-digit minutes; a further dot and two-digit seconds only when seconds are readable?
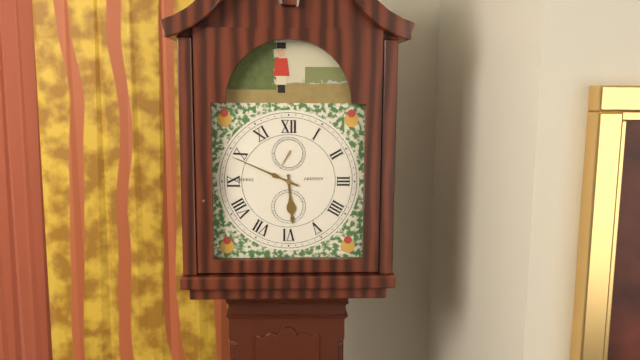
5.49
